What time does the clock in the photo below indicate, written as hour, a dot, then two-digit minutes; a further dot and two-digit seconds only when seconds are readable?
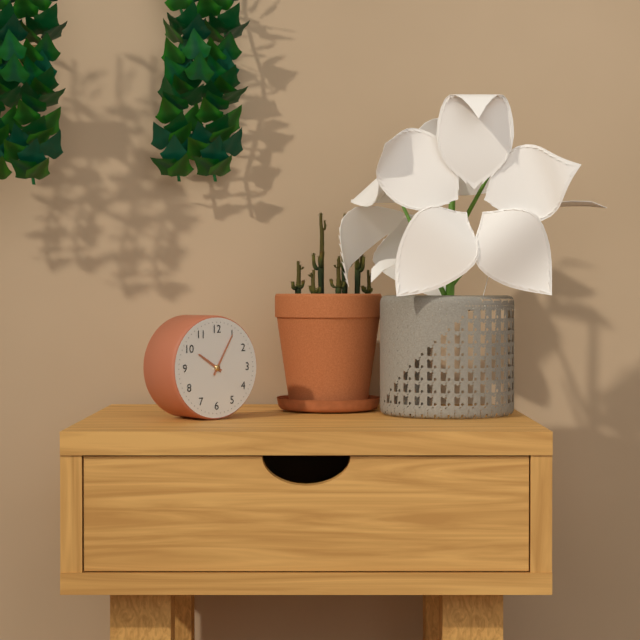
10.05
